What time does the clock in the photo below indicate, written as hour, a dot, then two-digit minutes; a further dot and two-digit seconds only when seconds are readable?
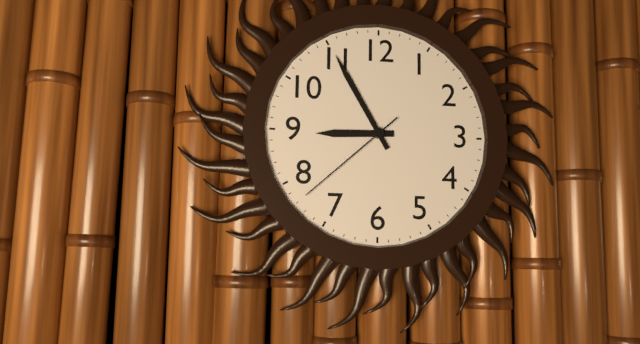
8.55.38
